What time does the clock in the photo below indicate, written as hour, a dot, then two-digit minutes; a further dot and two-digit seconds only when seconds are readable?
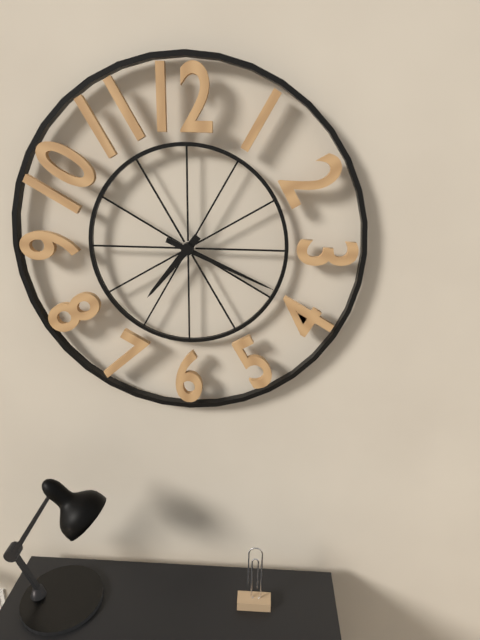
7.19
